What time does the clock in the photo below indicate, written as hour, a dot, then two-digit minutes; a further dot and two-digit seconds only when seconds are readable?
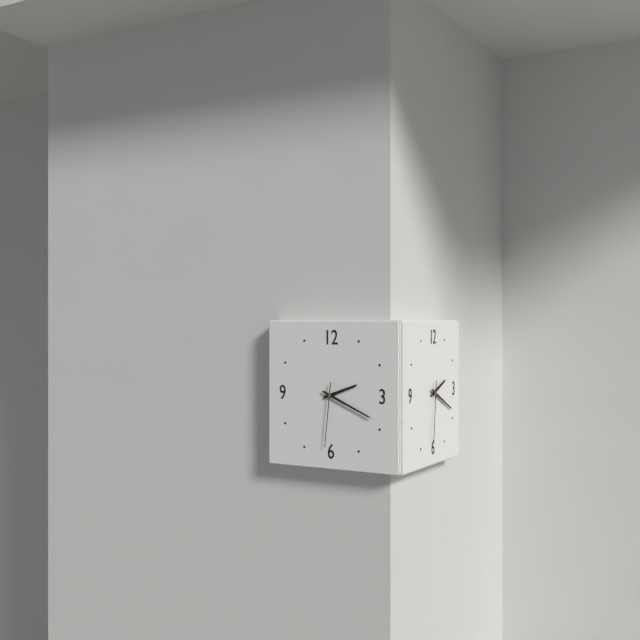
2.19.31
